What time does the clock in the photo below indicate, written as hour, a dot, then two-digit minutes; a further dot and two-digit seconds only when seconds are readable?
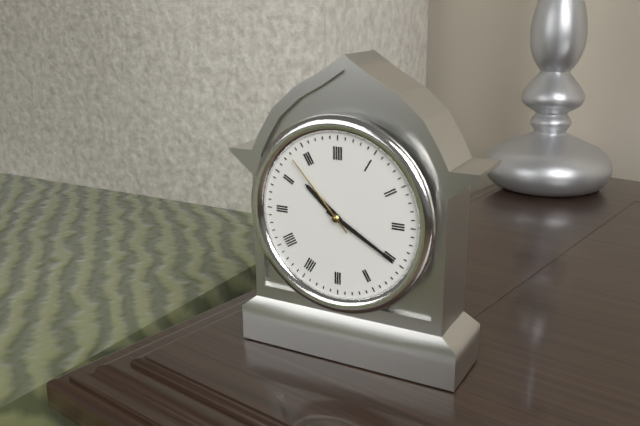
10.20.53
